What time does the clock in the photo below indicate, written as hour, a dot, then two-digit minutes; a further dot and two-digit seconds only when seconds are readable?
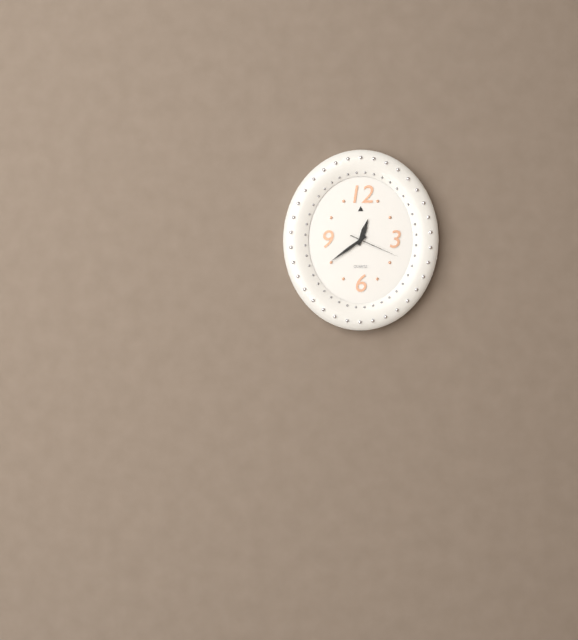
12.39.19
